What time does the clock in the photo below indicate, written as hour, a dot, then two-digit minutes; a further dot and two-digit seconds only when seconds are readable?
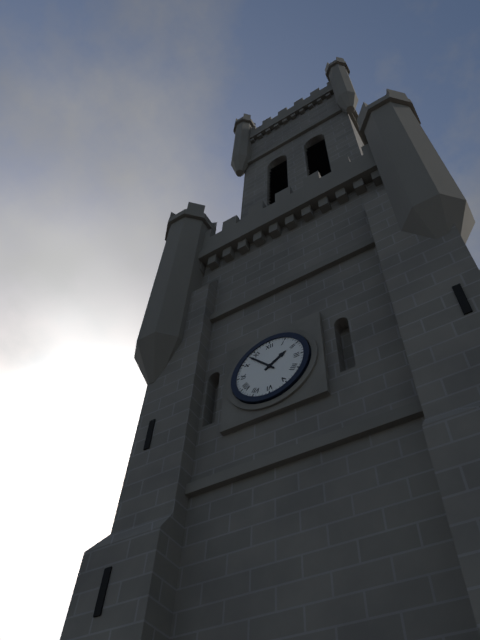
1.53
